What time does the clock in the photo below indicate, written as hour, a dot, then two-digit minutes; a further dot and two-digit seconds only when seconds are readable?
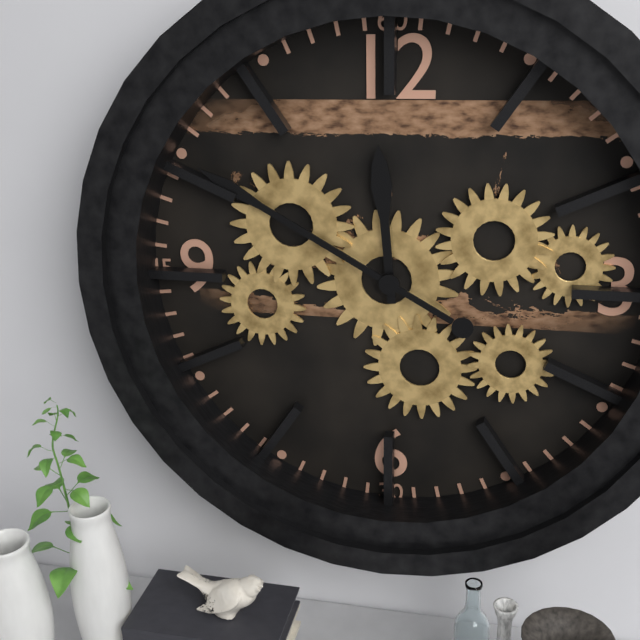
11.50
